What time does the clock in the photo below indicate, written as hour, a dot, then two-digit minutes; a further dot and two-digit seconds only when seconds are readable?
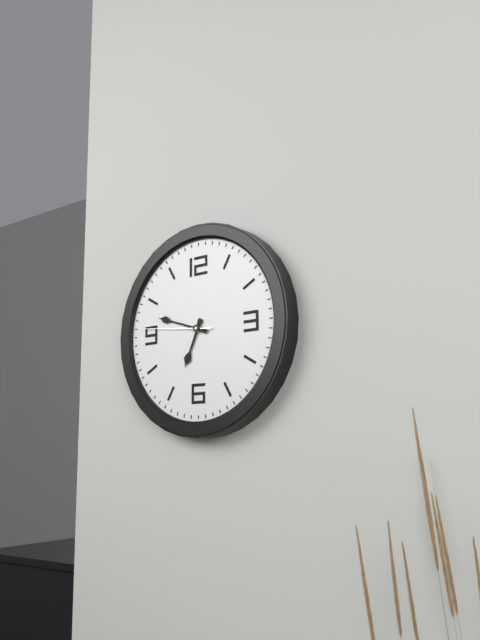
6.48.46
